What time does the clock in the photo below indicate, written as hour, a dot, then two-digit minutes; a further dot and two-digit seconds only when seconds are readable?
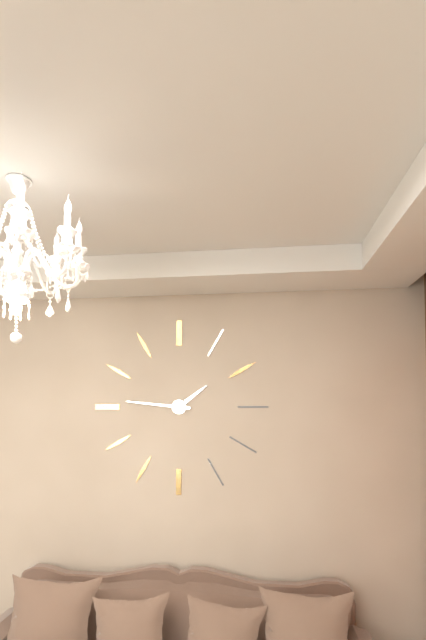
1.46
